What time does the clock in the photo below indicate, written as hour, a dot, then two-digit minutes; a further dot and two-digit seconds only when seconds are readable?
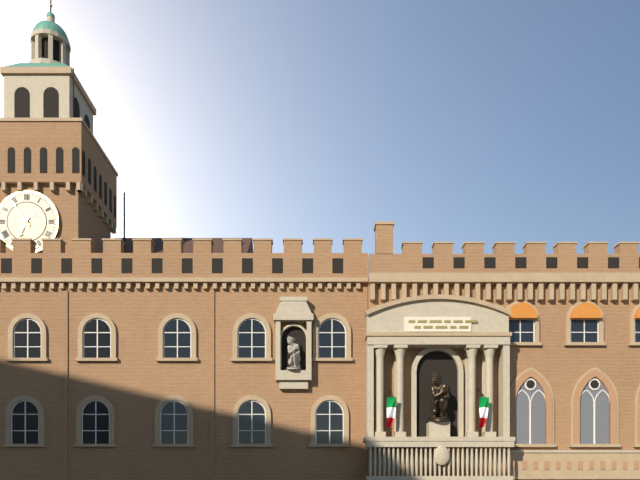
6.54
